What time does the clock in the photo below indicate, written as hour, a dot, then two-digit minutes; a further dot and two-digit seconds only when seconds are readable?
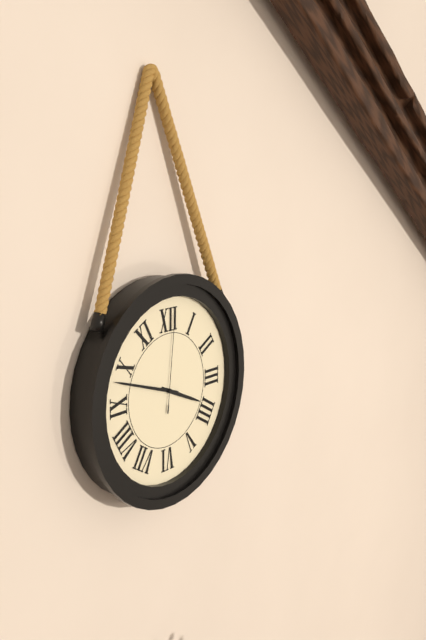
3.48.01
